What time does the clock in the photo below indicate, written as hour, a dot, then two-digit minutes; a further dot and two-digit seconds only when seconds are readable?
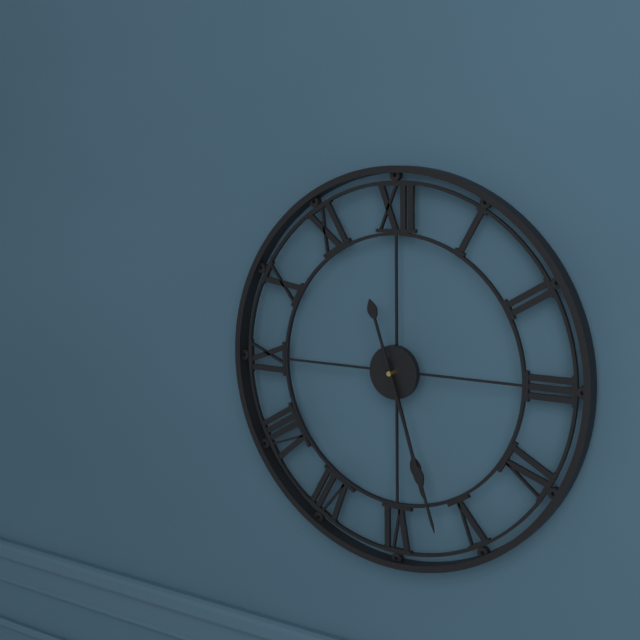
5.27
